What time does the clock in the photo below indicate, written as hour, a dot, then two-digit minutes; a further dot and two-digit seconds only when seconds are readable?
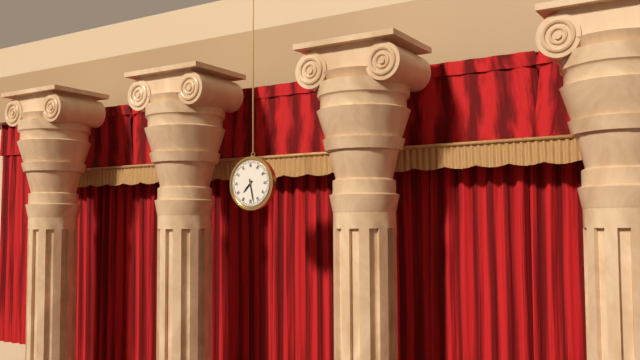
7.28
